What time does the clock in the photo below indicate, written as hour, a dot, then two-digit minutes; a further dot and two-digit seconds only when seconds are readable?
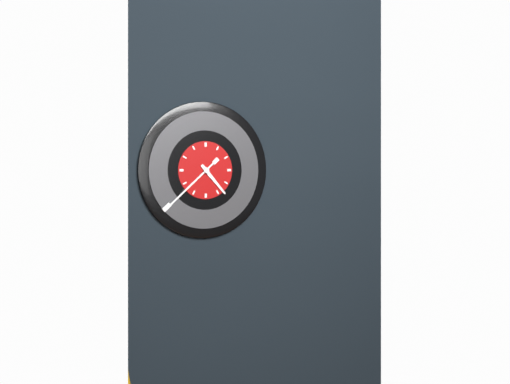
4.38
